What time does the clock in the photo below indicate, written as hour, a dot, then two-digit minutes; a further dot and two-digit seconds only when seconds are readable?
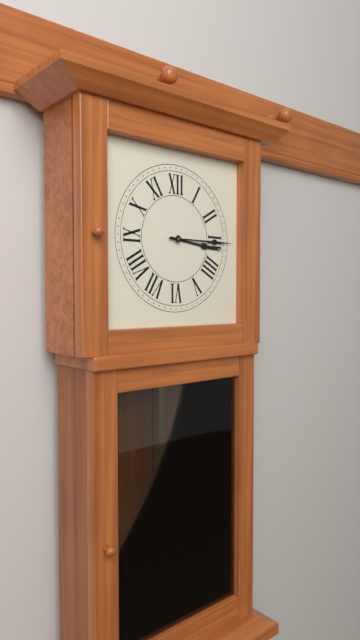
3.15
